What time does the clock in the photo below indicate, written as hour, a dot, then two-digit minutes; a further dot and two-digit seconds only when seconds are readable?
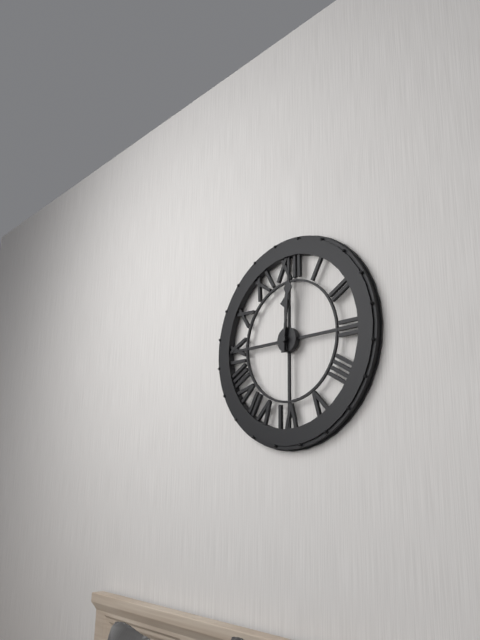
12.01
